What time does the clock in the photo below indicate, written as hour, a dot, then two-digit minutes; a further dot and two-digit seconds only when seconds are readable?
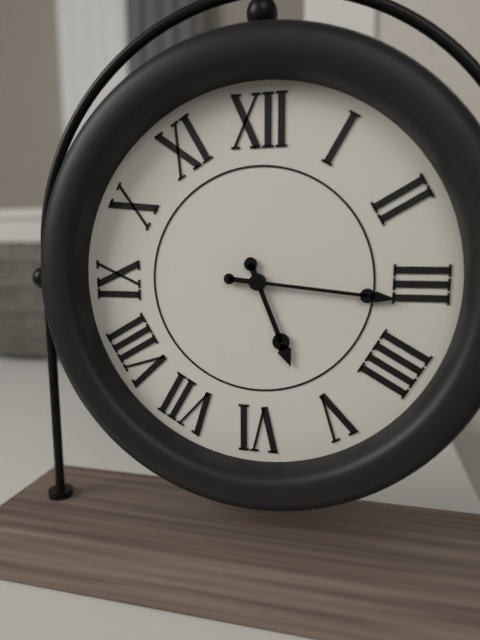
5.16
